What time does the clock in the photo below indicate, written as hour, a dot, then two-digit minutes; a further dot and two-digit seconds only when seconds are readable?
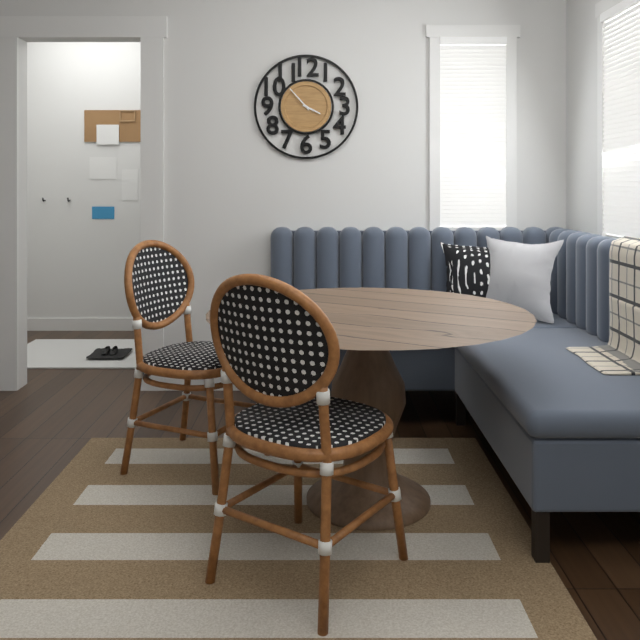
3.53
